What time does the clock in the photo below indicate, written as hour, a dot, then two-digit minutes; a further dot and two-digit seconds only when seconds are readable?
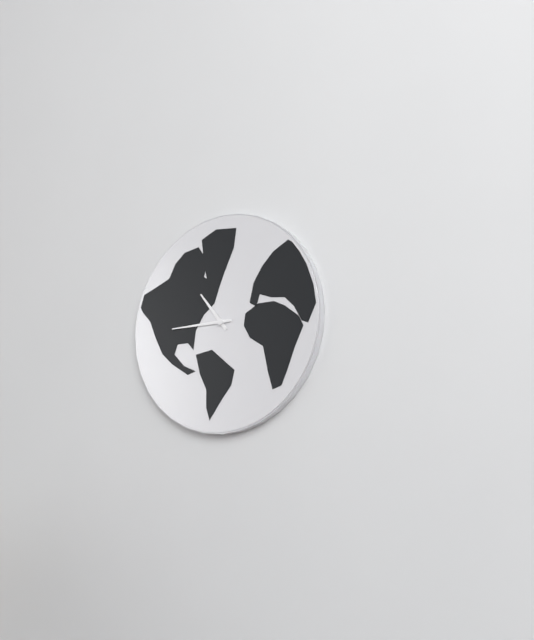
10.45
